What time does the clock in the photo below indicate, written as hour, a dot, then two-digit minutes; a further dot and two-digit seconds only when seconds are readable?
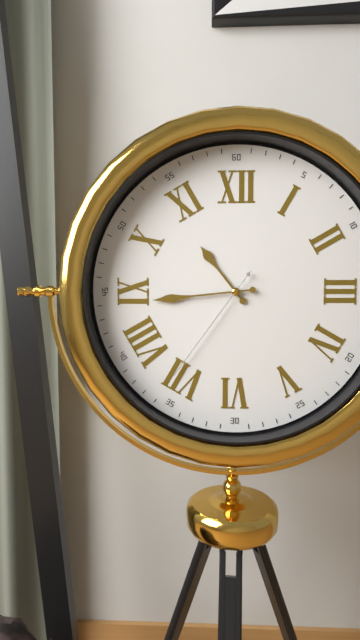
10.44.36
